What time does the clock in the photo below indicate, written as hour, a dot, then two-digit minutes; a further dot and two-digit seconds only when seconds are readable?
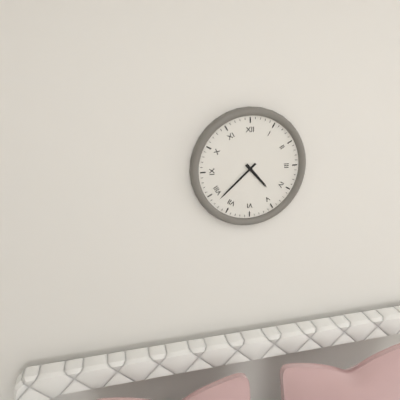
4.38
